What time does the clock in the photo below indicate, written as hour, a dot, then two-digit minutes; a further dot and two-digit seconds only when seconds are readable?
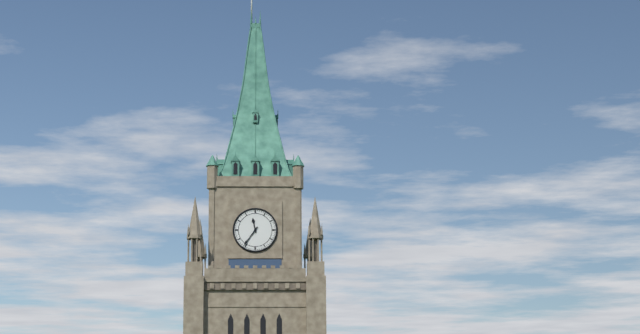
11.36
